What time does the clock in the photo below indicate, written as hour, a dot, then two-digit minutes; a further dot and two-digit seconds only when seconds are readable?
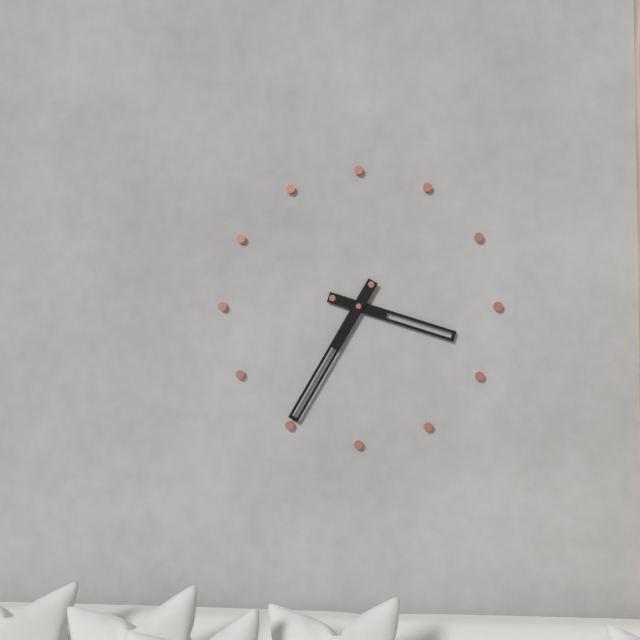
3.35
